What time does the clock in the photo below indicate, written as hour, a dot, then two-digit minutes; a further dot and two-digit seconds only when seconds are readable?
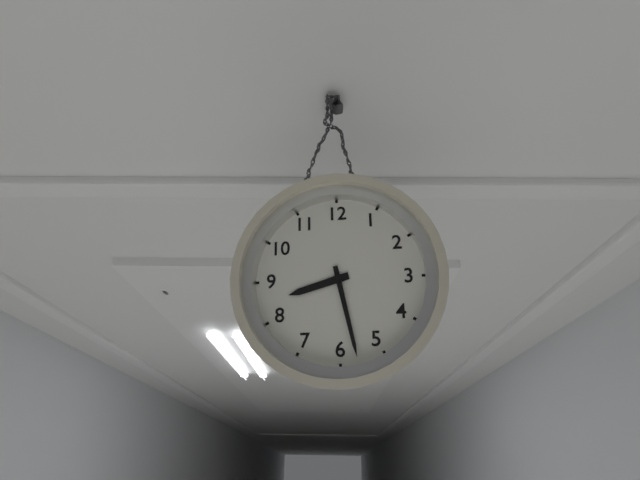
8.28
